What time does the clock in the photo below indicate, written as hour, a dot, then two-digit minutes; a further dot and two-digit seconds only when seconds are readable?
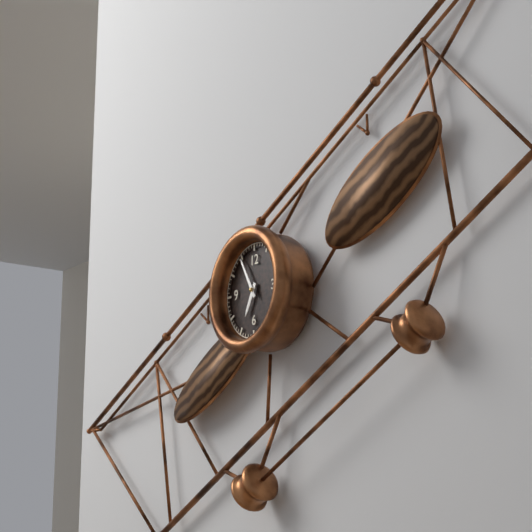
6.55
